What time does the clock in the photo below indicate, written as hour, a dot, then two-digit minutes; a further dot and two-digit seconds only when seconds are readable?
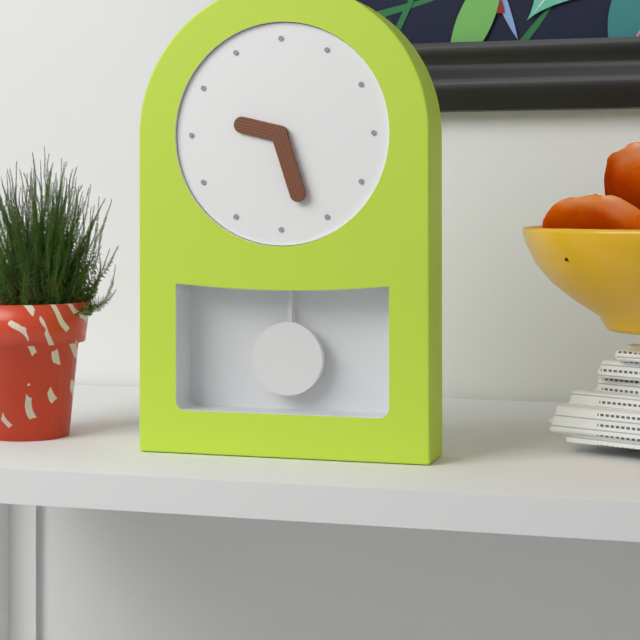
9.27
